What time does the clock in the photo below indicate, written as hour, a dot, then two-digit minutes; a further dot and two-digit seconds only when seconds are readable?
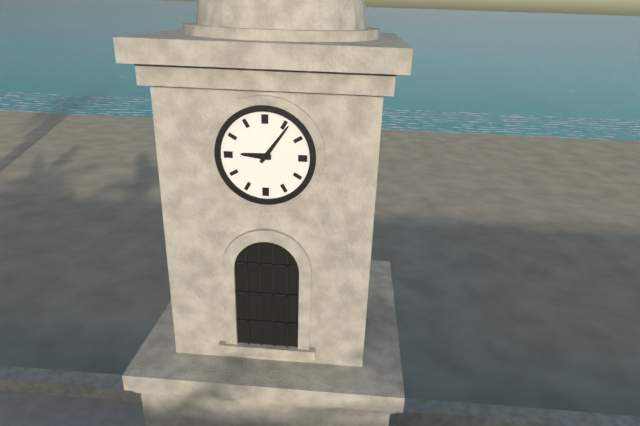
9.06
